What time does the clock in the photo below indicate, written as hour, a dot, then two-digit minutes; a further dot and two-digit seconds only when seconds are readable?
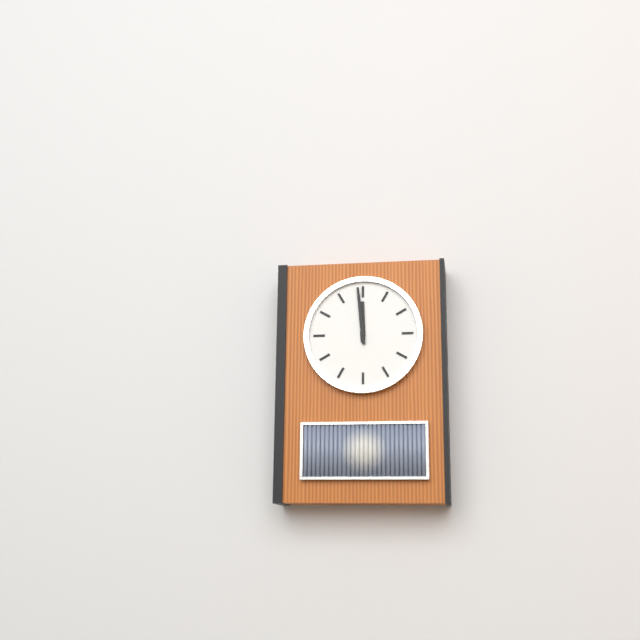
11.59
